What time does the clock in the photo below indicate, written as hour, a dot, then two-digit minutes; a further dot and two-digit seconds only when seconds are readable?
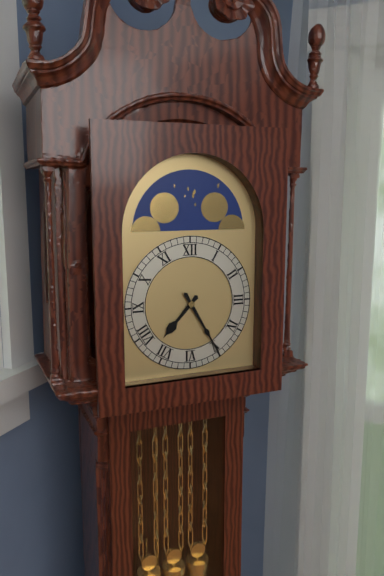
7.25
